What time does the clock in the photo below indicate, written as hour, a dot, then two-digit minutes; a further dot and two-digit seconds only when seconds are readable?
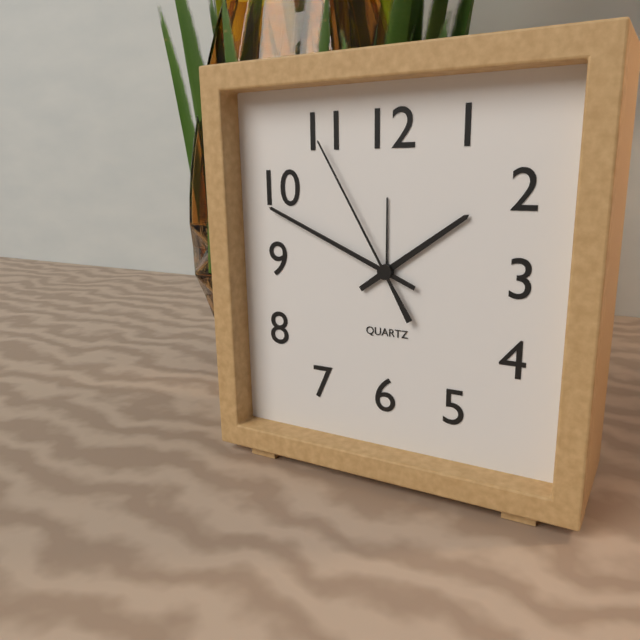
1.49.55
